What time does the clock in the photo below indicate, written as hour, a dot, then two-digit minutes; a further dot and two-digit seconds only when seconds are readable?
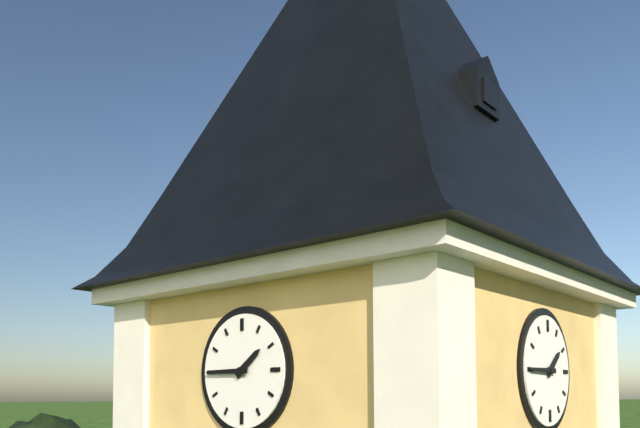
1.45
